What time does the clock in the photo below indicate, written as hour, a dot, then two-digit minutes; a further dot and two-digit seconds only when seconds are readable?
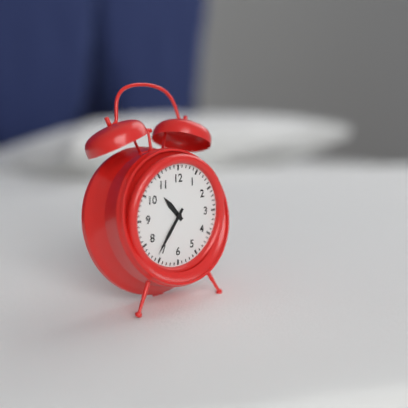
10.36
